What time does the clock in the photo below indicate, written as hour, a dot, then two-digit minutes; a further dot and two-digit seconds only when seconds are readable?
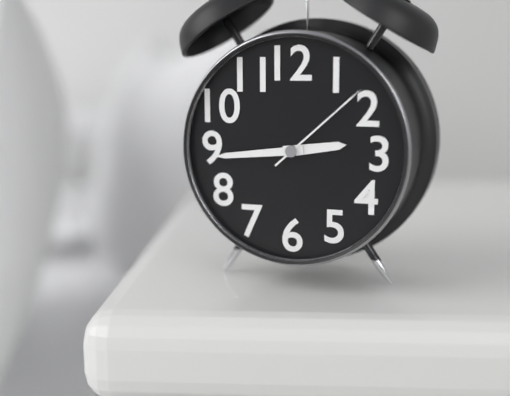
2.44.08
